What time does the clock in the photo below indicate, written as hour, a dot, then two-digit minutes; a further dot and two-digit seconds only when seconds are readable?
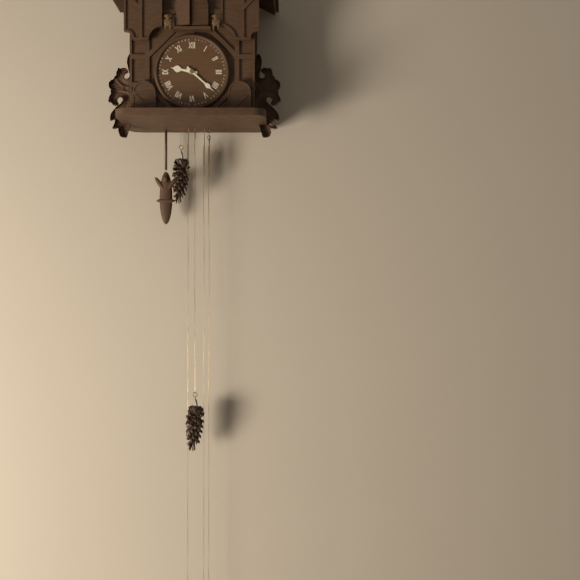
9.22
